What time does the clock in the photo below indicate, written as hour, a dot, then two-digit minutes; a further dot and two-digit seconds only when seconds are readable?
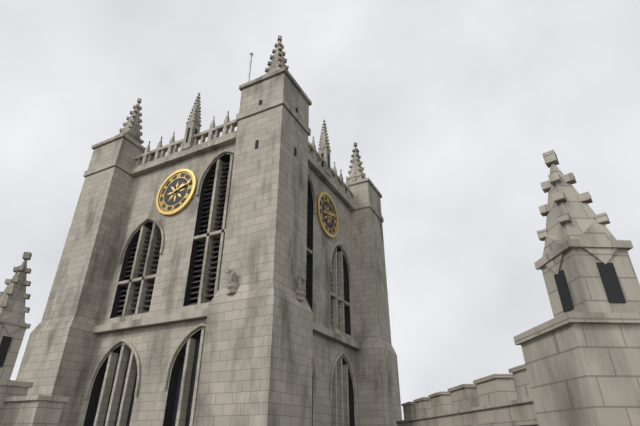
2.12
